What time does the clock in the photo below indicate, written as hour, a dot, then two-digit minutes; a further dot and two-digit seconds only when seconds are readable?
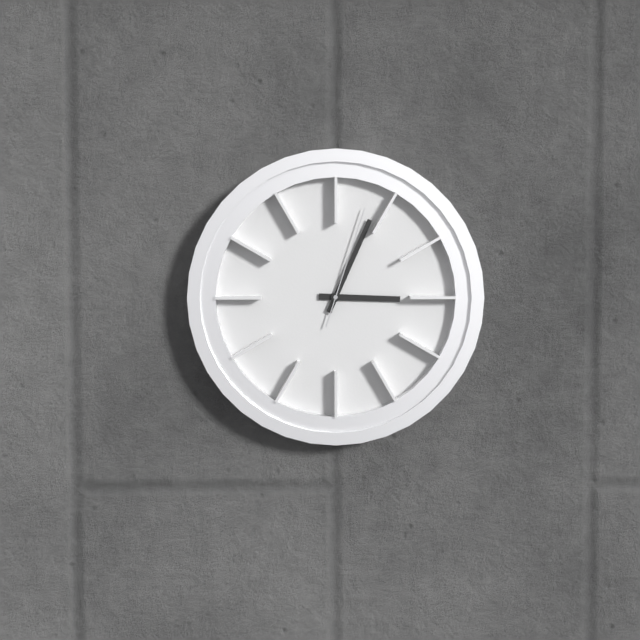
3.04.03
